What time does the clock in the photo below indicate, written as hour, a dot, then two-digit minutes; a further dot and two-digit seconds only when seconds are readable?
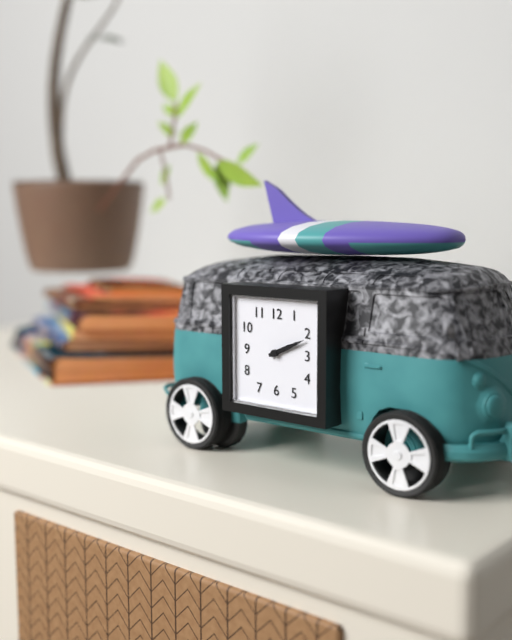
2.11
